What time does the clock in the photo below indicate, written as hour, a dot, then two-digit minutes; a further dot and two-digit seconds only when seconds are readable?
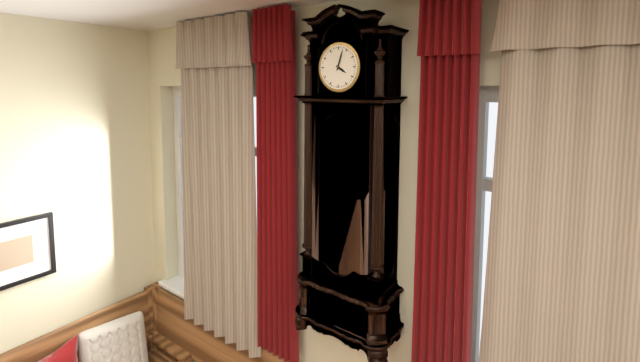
4.03
